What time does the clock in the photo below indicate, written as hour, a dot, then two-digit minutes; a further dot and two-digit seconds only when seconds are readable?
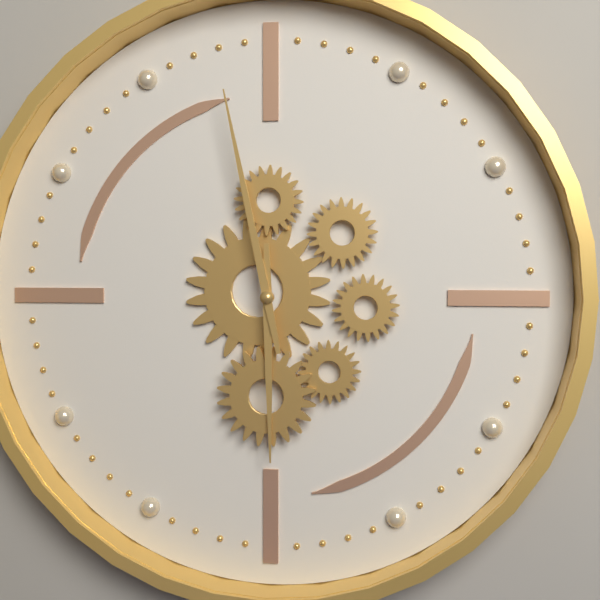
5.58
